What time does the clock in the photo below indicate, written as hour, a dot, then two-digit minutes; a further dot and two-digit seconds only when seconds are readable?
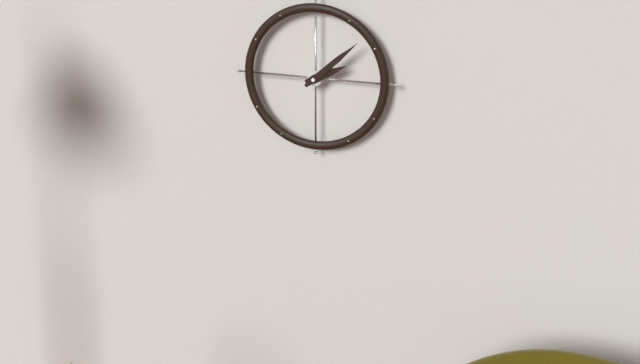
2.08
